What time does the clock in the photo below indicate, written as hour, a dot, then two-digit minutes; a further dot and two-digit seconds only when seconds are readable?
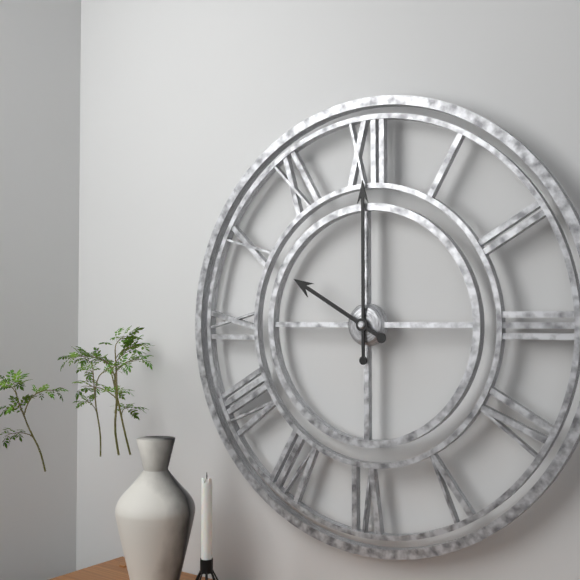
10.00
